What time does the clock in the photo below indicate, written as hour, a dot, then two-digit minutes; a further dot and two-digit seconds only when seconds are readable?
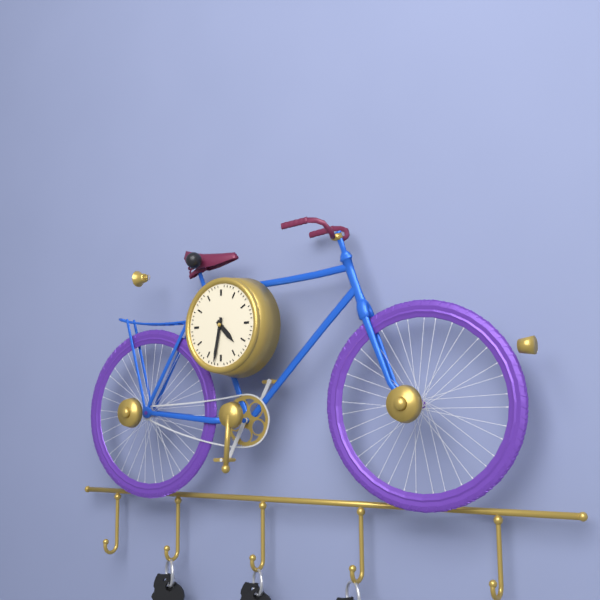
4.32
